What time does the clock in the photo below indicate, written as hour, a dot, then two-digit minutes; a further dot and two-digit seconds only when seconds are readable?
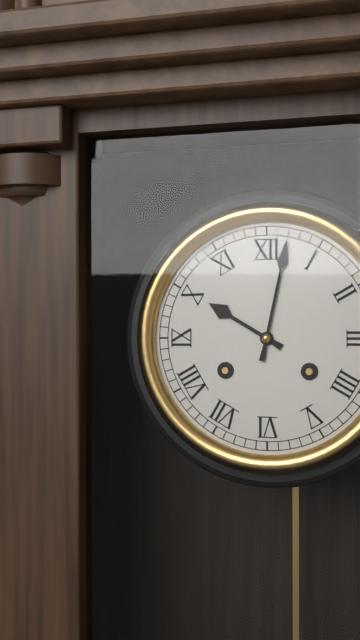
10.02
